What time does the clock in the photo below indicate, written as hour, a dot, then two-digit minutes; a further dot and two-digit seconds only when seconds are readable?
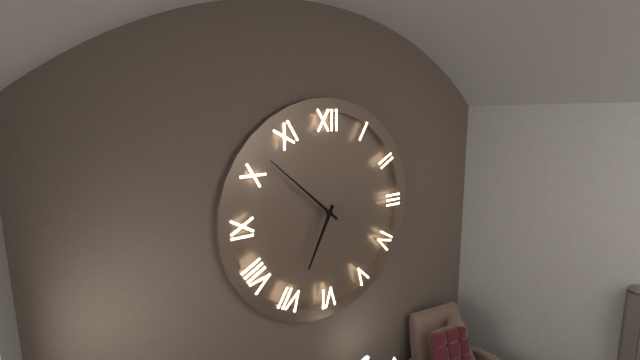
6.52
